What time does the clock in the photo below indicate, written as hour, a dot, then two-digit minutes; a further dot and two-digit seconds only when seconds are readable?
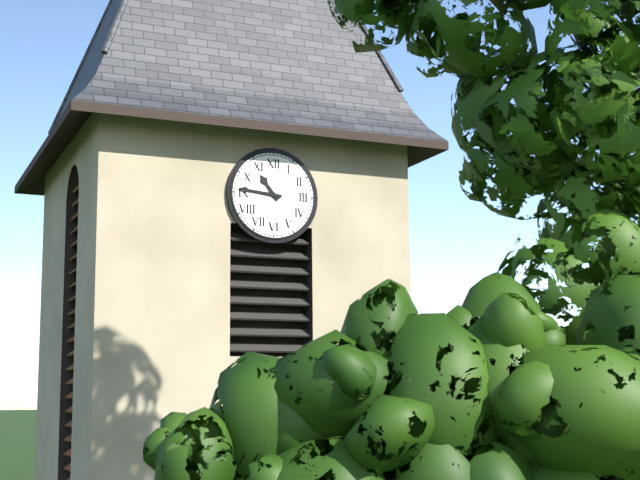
10.46
